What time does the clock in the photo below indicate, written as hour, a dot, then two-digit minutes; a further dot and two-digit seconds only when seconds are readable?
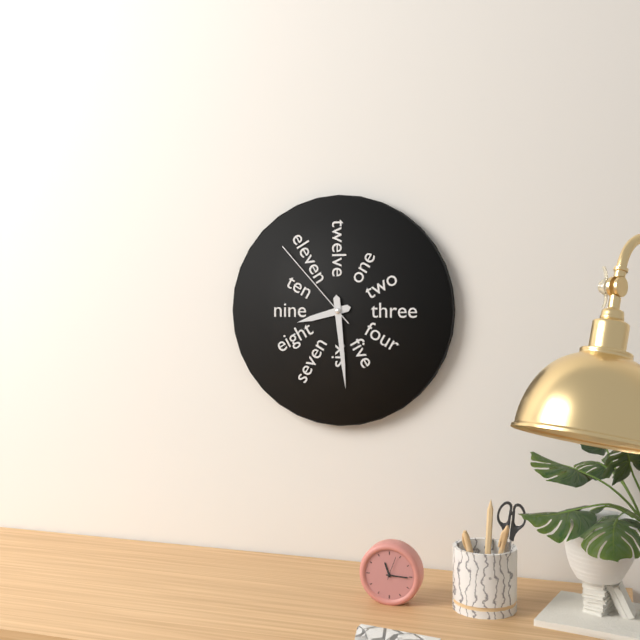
8.29.53
